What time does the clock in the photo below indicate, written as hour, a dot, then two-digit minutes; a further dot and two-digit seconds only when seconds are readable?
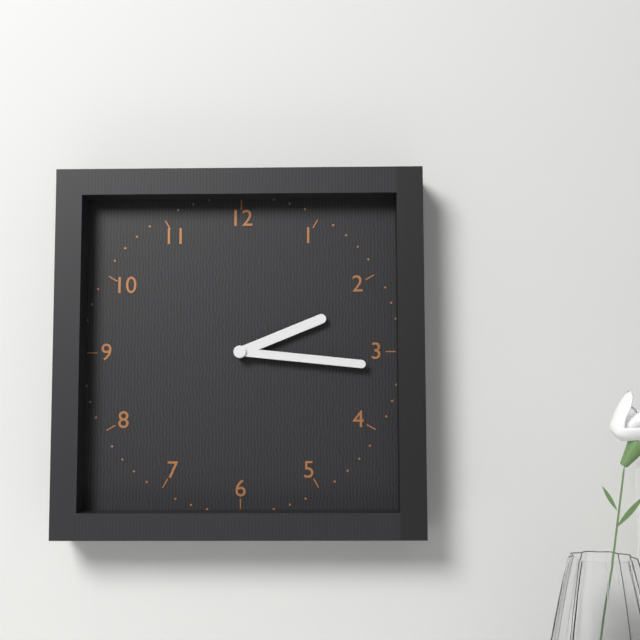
2.16
